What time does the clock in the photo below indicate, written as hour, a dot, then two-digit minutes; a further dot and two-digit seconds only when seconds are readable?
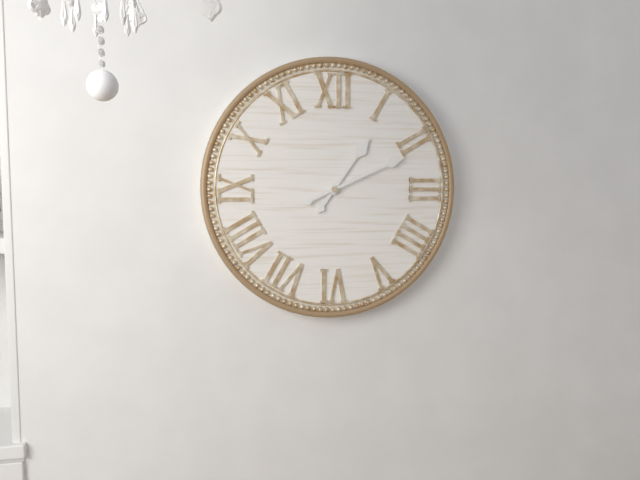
1.11
